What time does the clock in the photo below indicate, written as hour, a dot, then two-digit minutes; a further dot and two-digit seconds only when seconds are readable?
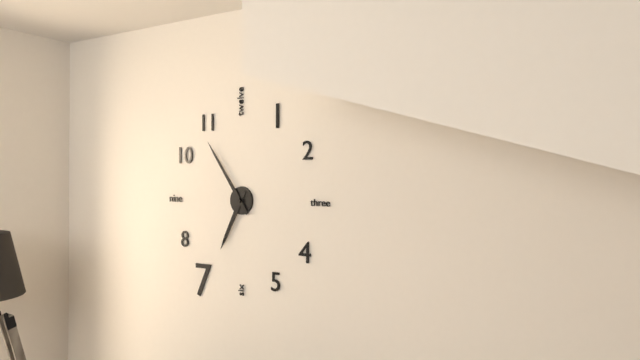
6.54
